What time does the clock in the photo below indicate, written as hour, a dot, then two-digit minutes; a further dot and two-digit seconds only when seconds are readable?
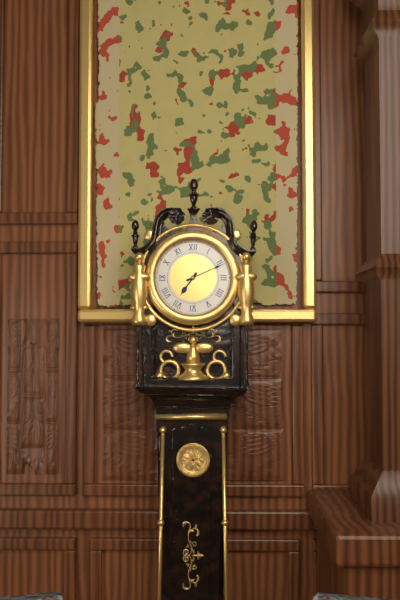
7.11
